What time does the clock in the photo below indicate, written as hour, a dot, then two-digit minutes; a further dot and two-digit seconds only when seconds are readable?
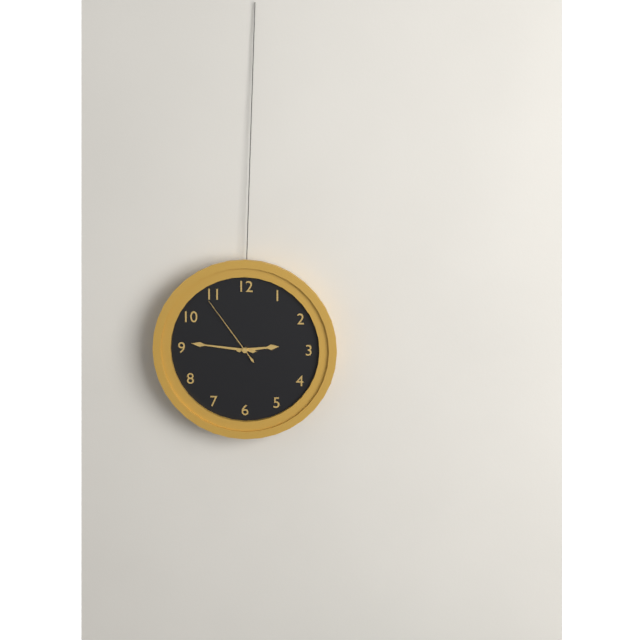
2.46.54
